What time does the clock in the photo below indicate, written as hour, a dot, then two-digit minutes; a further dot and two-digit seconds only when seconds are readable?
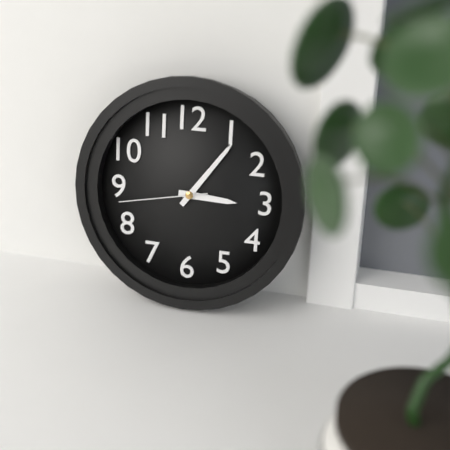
3.06.43
